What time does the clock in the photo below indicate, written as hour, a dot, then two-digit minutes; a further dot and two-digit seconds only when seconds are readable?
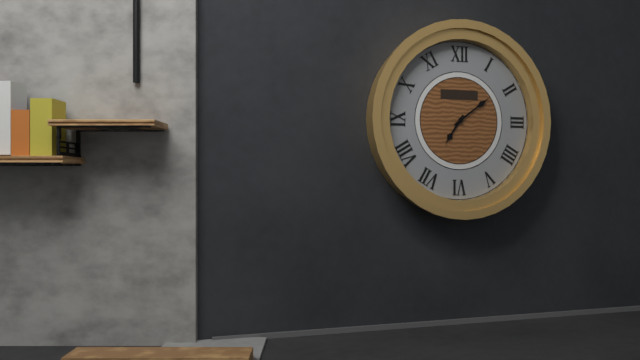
7.09
